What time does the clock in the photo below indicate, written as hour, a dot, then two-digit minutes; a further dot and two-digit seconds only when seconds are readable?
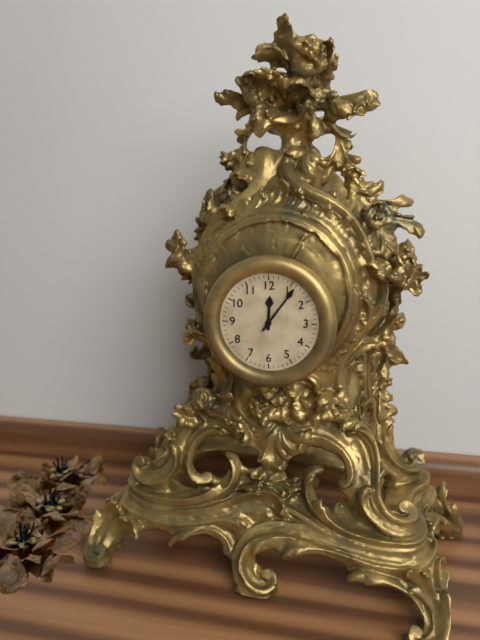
12.06
